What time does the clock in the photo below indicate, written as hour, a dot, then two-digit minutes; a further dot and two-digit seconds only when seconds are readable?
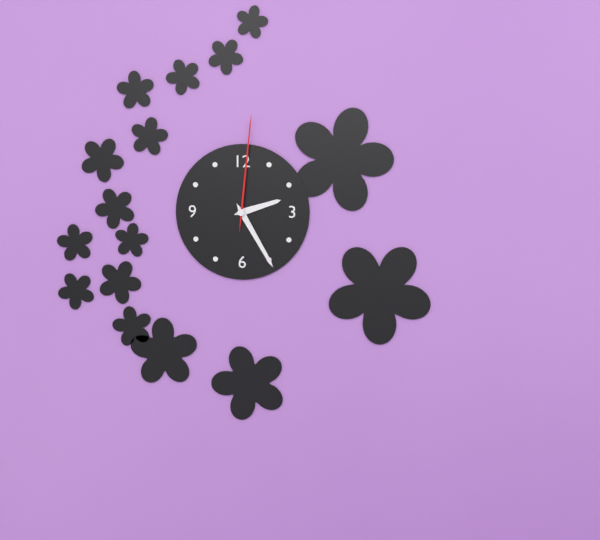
2.25.01
